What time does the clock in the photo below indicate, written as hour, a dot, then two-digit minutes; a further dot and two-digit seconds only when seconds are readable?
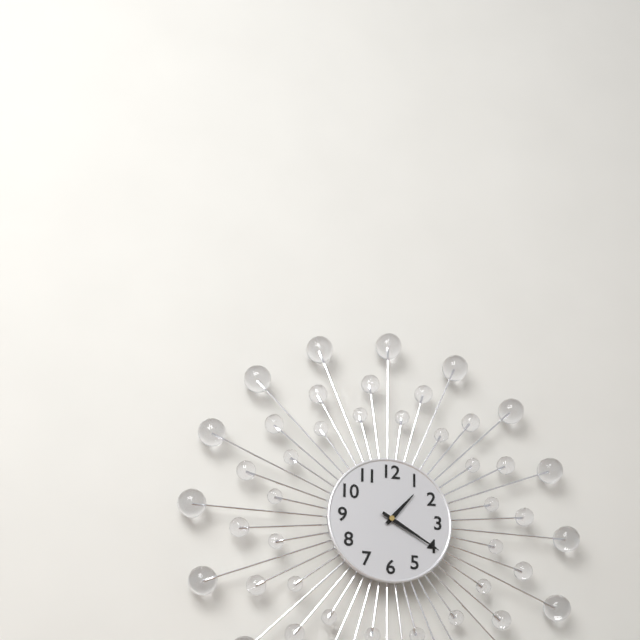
1.20
